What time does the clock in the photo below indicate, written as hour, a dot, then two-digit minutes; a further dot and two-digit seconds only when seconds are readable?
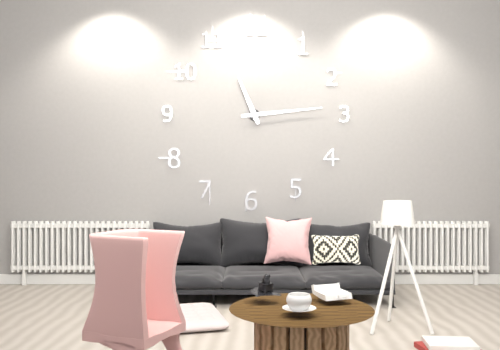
11.14
